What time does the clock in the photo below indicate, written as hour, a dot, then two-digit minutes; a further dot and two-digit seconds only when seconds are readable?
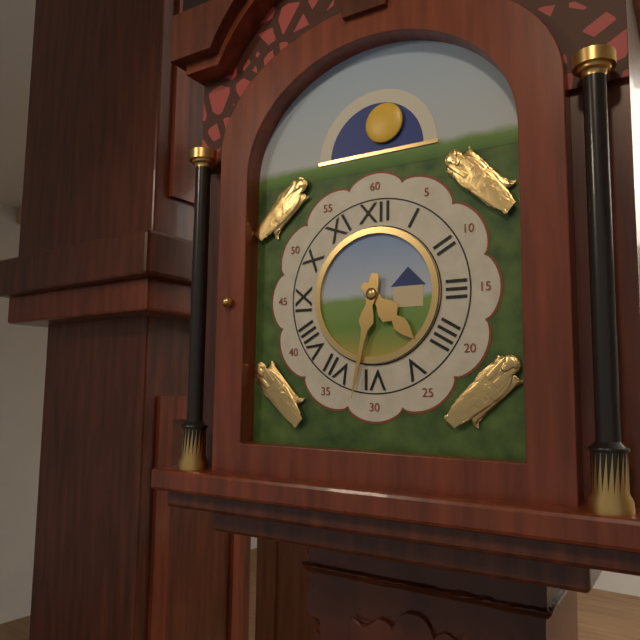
4.32
